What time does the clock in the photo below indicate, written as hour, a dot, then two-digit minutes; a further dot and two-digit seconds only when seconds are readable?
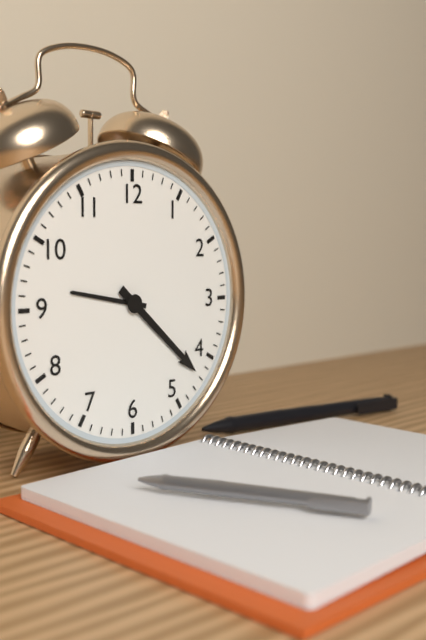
9.22
